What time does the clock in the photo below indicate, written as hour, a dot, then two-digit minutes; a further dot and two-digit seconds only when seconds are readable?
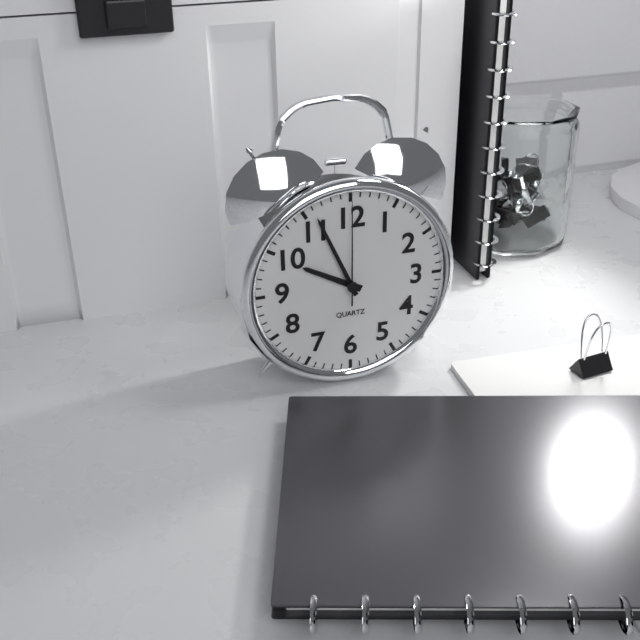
9.56.00
